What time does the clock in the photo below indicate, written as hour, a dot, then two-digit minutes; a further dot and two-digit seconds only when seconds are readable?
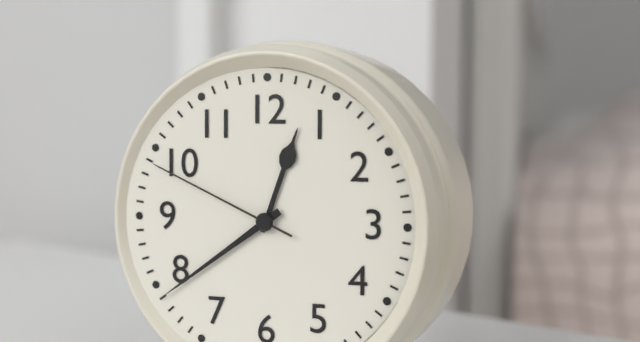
12.39.49
